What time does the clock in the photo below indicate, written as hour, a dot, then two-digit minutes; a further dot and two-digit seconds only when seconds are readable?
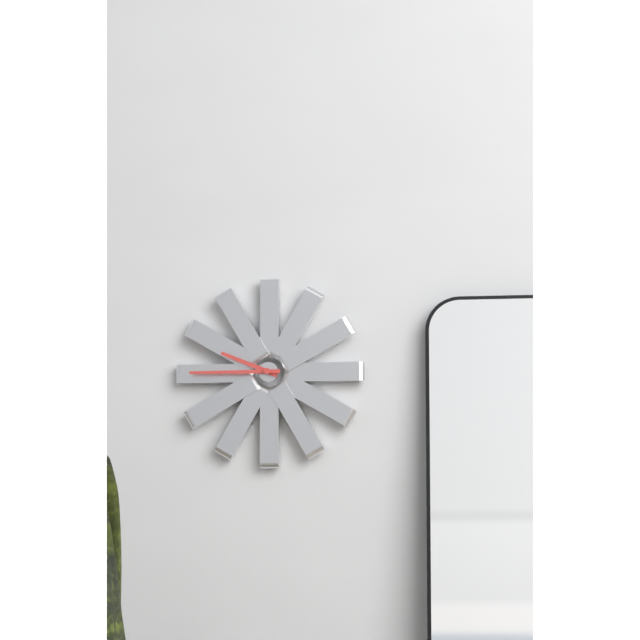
9.45
